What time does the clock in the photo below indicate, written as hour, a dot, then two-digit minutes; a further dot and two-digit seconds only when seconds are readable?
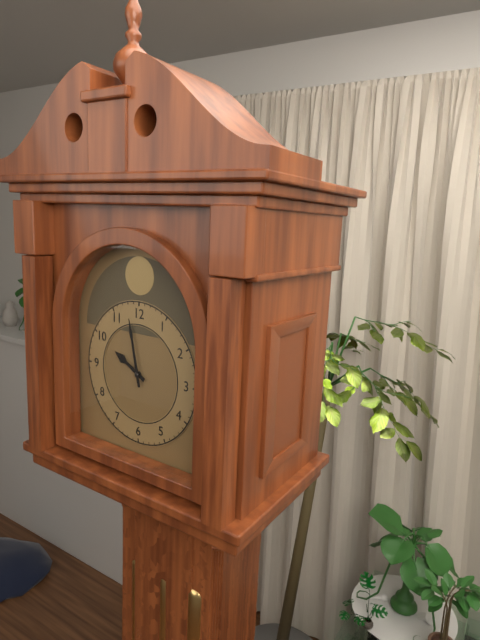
9.58
